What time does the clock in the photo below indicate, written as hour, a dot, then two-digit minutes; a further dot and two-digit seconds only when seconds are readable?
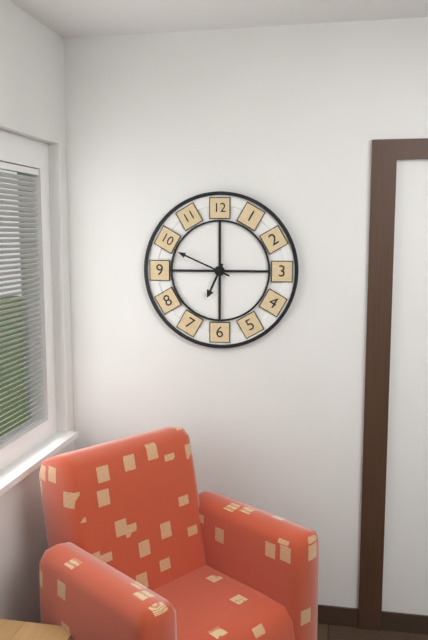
6.49
